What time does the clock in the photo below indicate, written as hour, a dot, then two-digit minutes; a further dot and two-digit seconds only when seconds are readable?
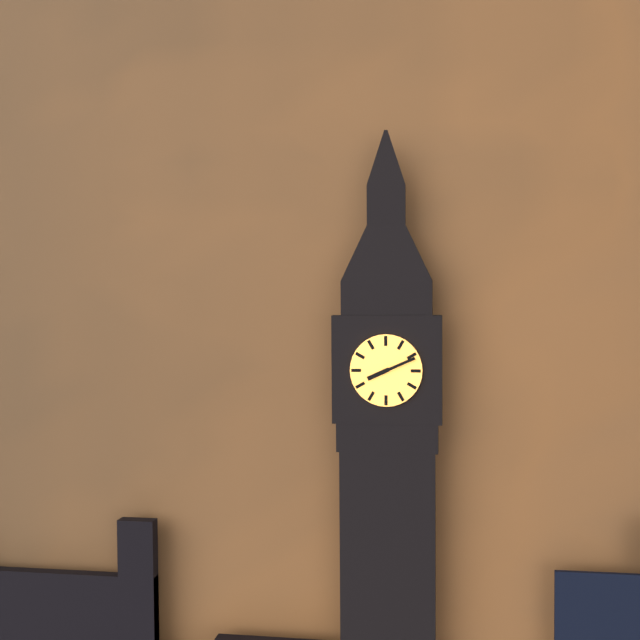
8.11
